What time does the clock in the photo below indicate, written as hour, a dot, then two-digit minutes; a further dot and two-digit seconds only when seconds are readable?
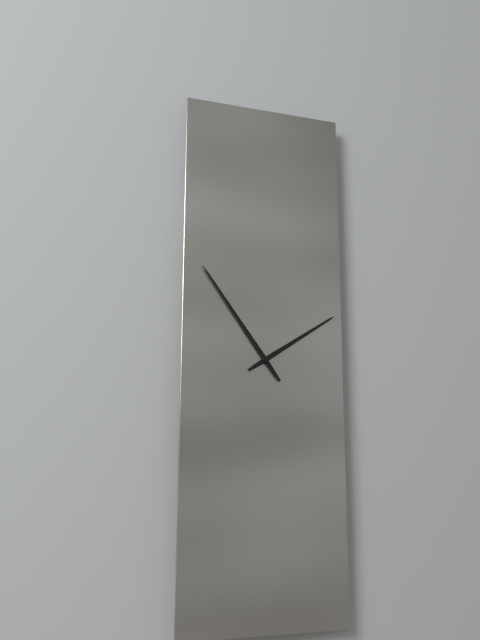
1.54
